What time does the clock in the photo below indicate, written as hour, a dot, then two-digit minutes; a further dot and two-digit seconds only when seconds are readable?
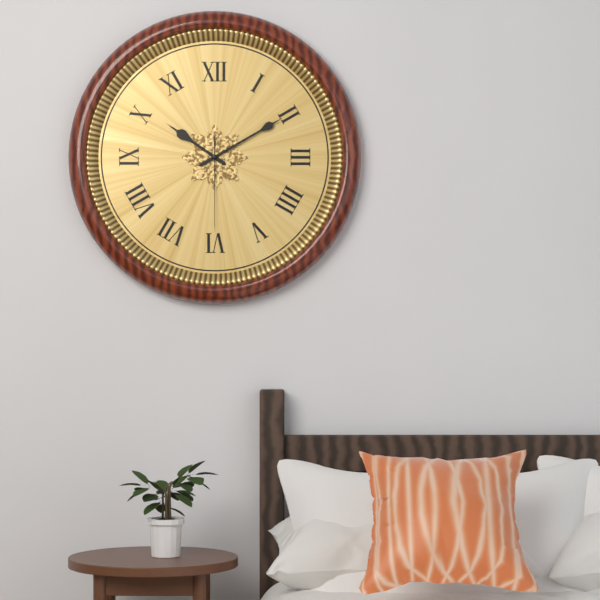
10.10.30
